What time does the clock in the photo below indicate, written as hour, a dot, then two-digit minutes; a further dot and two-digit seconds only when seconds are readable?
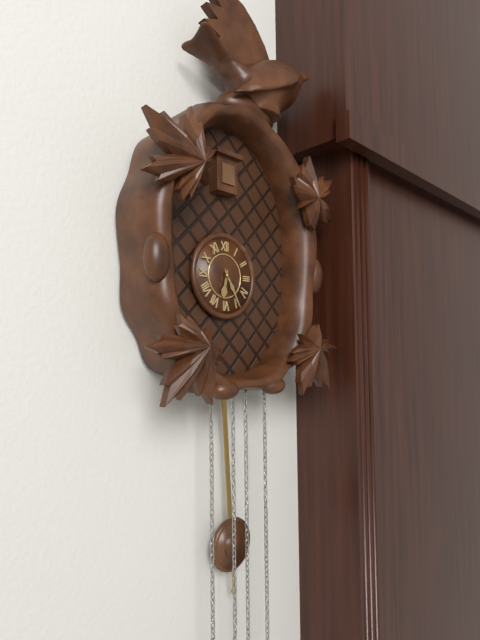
6.25
